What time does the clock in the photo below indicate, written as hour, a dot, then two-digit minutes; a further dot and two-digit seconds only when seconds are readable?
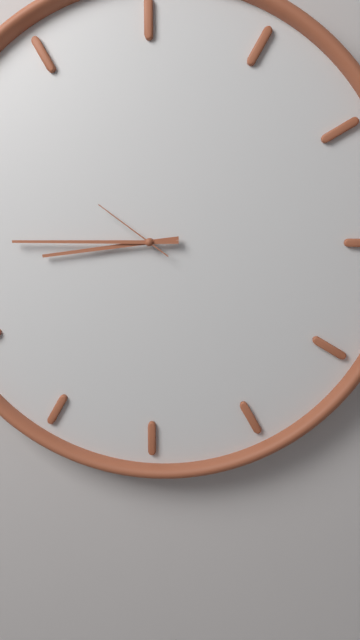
8.45.51
